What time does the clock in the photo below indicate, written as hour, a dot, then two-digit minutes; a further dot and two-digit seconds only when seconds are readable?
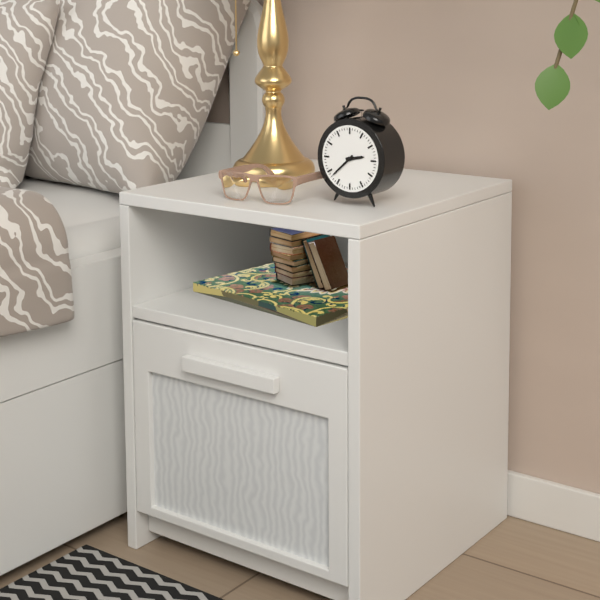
2.38
